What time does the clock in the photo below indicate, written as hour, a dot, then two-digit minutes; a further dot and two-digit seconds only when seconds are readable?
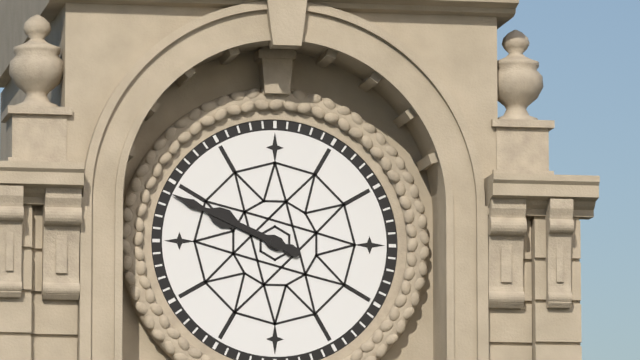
9.49
